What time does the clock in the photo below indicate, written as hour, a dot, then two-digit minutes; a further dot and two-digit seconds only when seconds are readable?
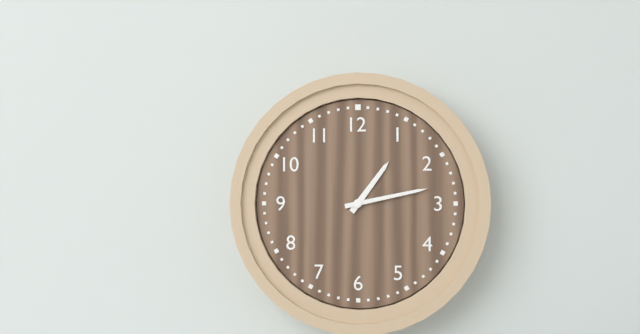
1.13
